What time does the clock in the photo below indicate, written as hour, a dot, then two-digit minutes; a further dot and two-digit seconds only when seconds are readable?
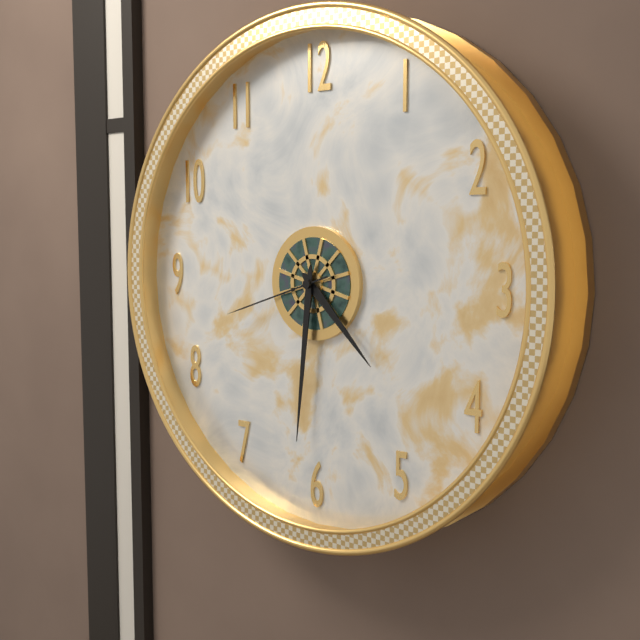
4.31.42
